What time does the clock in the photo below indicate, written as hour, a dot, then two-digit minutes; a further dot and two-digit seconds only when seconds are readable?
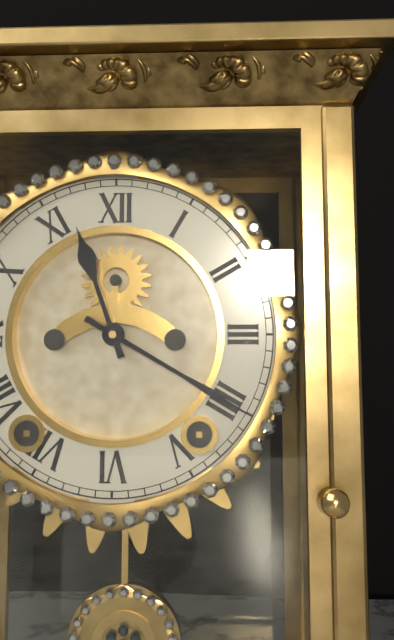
11.20
